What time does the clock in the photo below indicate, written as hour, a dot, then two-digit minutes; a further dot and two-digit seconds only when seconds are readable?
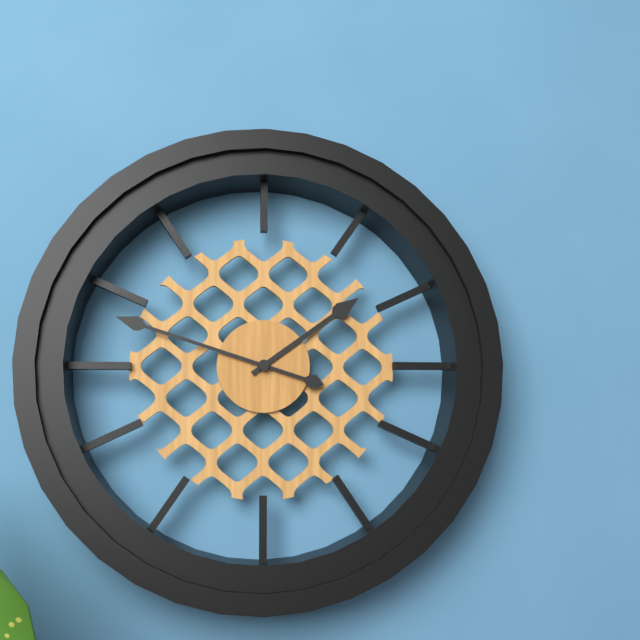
1.48
